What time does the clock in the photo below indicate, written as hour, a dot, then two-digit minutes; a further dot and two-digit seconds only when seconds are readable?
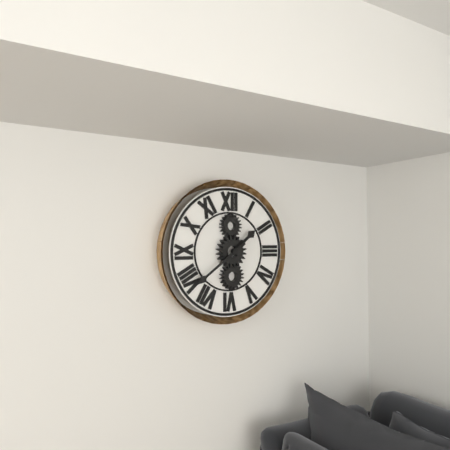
1.39
